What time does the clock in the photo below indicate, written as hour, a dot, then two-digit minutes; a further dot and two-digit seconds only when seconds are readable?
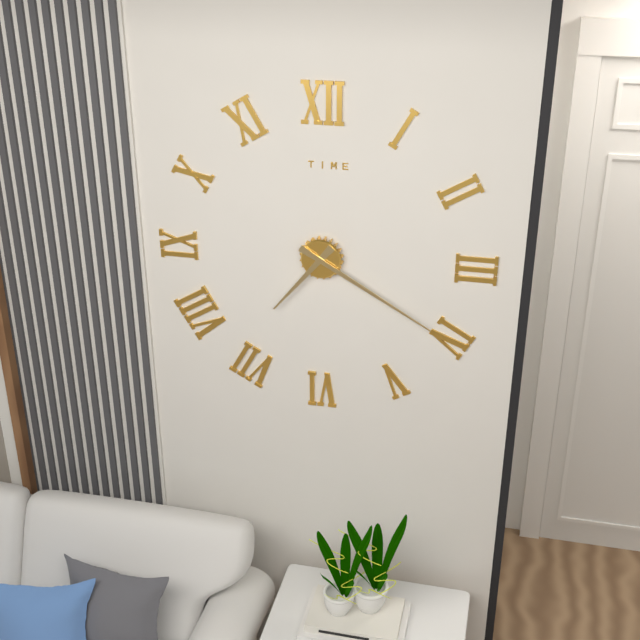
7.20
